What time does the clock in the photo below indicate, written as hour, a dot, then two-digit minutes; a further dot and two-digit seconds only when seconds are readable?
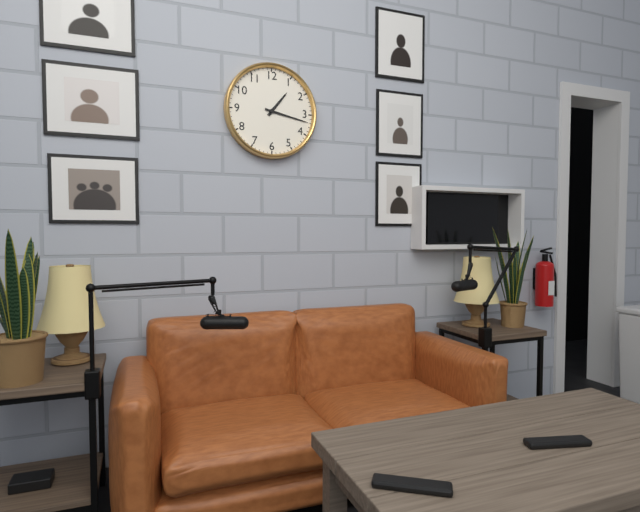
1.17
